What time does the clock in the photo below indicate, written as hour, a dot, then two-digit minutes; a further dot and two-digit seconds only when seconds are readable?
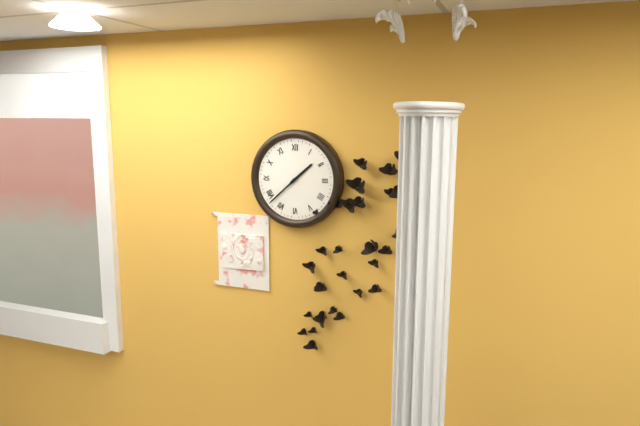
1.38
